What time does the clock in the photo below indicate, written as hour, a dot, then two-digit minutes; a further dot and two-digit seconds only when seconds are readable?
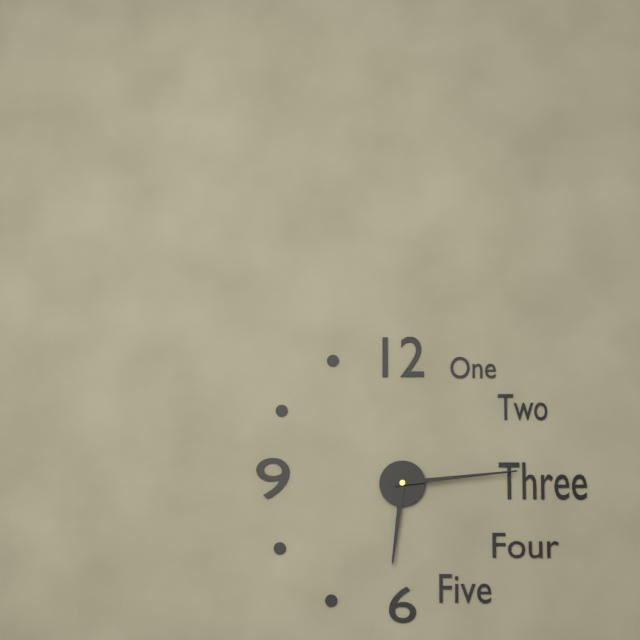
6.14
